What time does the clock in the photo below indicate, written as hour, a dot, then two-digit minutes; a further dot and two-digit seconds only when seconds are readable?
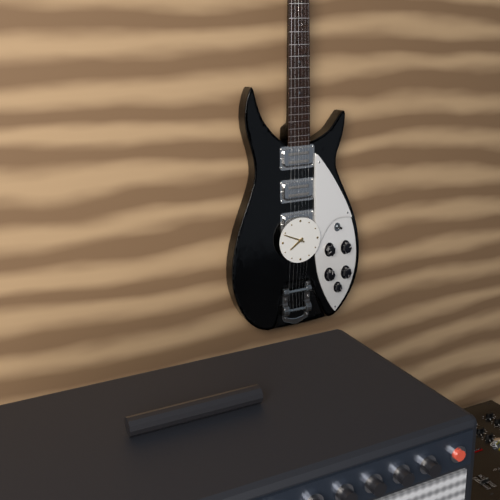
7.49
